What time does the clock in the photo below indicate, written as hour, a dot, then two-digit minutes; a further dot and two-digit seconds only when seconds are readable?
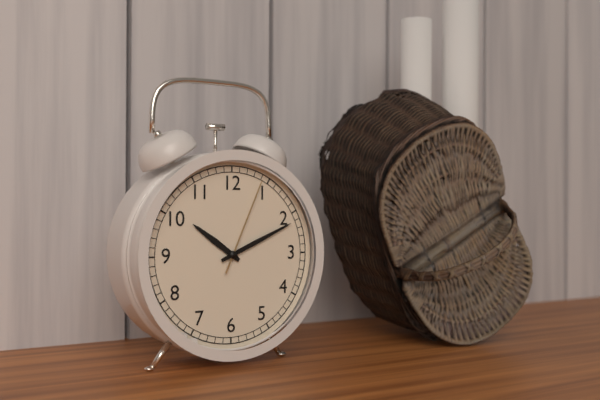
10.11.04
